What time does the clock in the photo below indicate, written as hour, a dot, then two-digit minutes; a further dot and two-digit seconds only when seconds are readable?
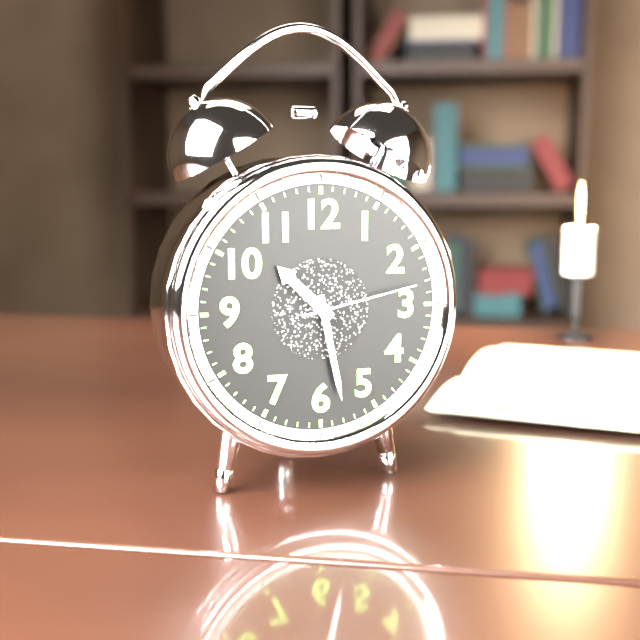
10.28.13
